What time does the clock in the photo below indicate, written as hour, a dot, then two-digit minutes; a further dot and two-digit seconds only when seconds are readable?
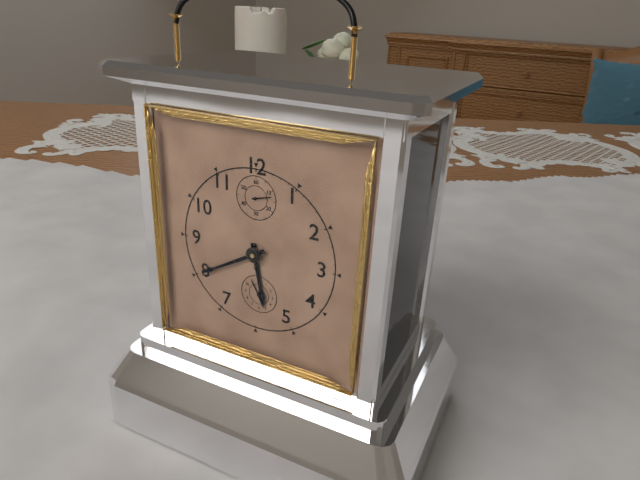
5.40
